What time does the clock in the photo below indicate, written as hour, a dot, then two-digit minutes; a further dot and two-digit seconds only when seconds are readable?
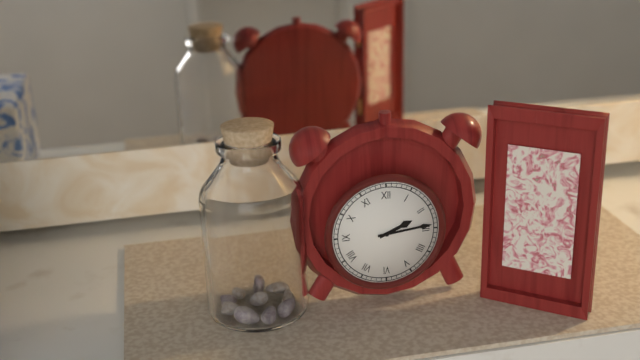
2.14
